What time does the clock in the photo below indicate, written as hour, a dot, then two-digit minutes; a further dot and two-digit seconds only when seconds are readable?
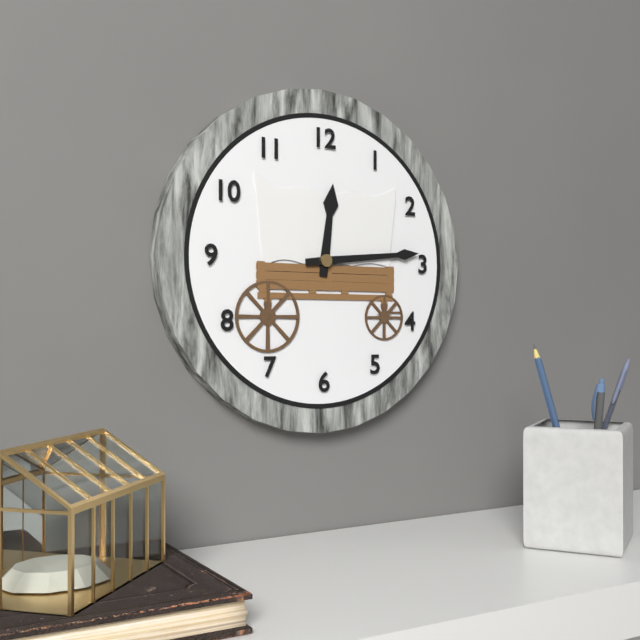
12.14
